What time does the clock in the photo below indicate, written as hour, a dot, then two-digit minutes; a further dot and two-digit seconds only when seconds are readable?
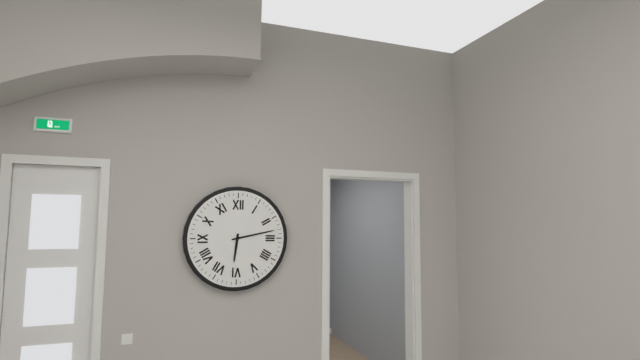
6.13
